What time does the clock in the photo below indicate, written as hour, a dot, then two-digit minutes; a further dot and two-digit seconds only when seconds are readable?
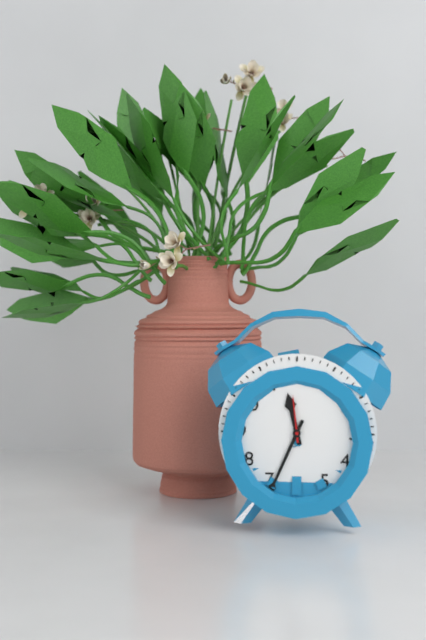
11.34
